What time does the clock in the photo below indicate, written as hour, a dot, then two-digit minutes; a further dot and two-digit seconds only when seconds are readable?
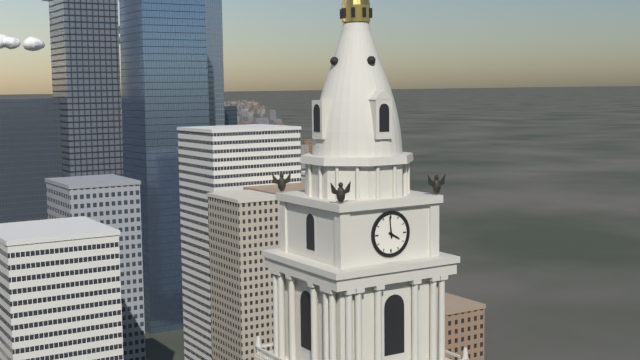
3.59
